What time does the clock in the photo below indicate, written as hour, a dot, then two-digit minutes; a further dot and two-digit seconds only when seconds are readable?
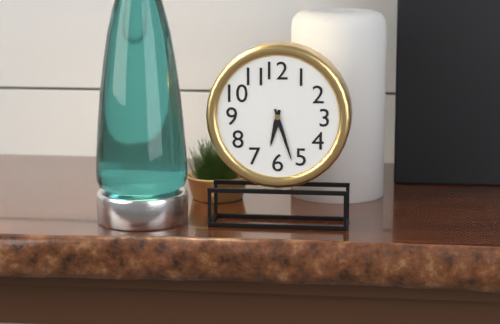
6.27
